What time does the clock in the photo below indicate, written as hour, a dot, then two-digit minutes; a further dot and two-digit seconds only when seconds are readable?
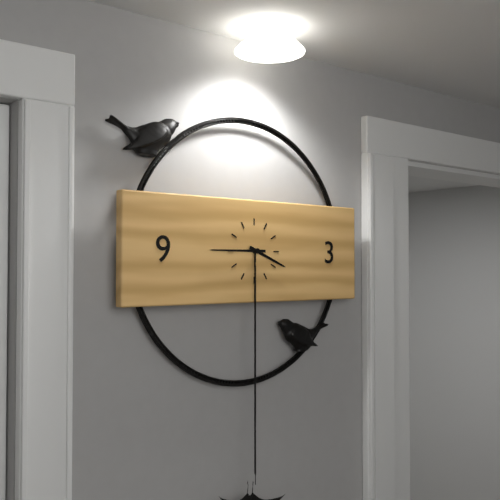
3.45
